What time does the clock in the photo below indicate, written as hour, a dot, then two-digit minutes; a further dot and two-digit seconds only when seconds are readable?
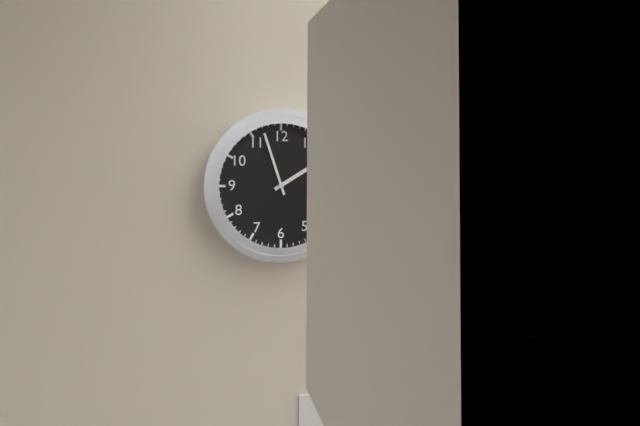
1.57
